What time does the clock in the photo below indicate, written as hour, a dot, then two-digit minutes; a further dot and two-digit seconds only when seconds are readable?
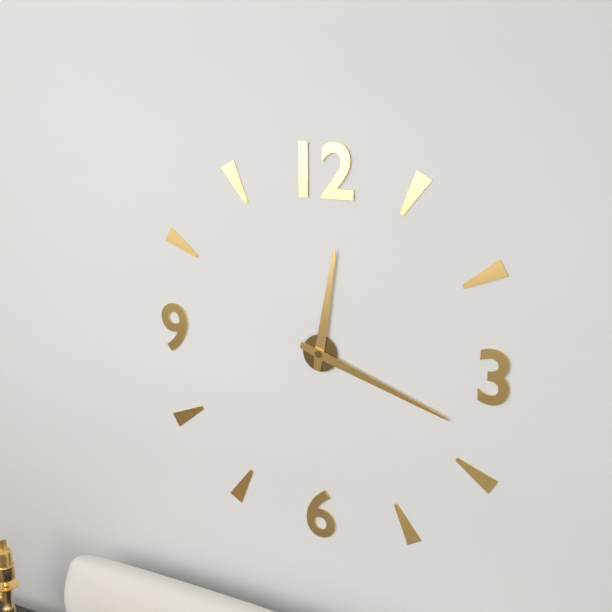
12.18
